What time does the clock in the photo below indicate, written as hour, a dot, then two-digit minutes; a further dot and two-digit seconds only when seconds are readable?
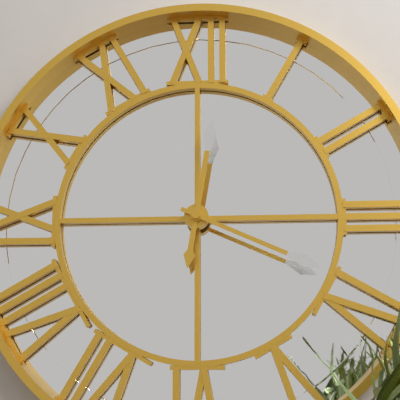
12.19
